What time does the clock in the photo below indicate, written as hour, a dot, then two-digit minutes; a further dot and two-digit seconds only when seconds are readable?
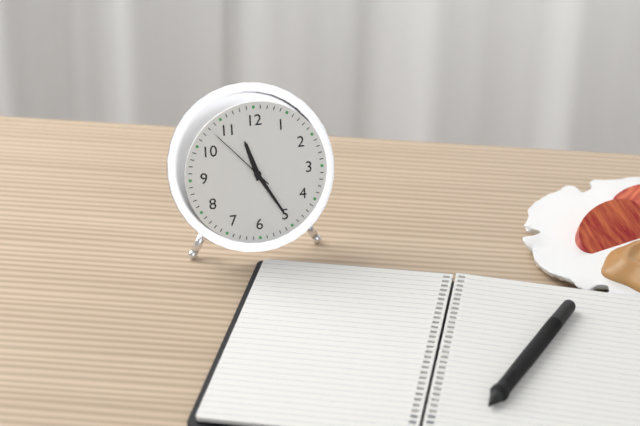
11.25.53
